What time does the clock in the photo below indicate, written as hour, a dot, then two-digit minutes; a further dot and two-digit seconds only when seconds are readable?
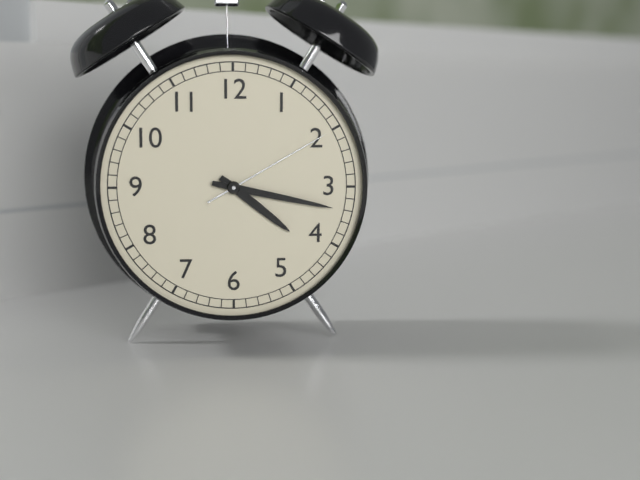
4.17.10
